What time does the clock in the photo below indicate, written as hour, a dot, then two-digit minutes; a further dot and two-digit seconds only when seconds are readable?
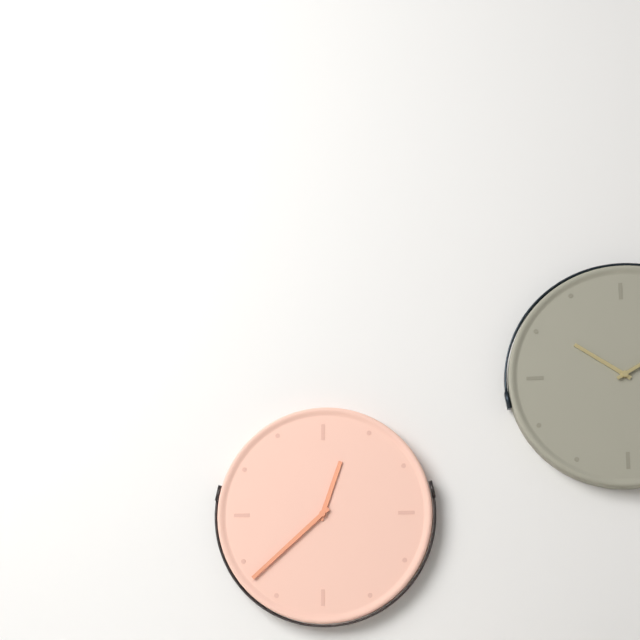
12.38
